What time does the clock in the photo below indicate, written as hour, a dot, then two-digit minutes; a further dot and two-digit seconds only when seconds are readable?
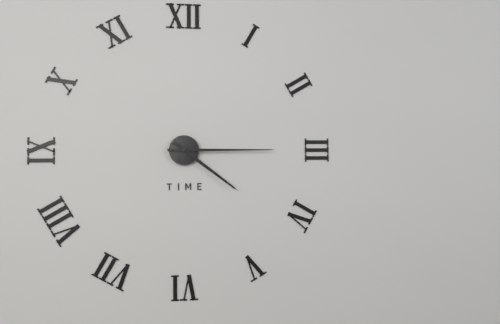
4.15
